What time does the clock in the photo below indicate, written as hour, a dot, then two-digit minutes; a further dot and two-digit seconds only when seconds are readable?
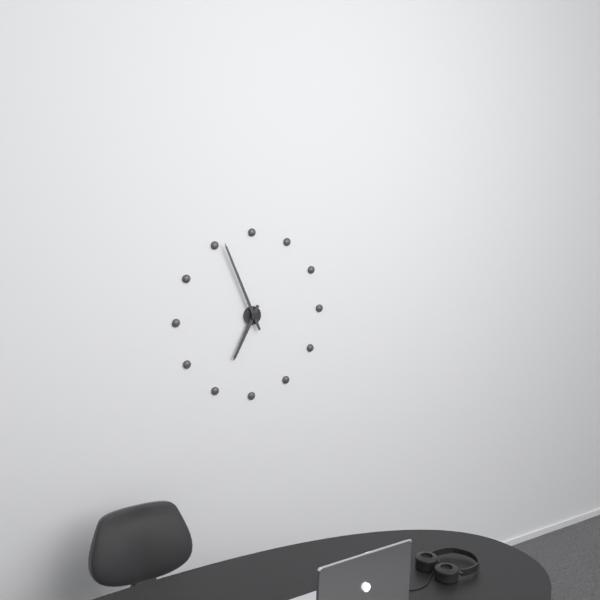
6.56
